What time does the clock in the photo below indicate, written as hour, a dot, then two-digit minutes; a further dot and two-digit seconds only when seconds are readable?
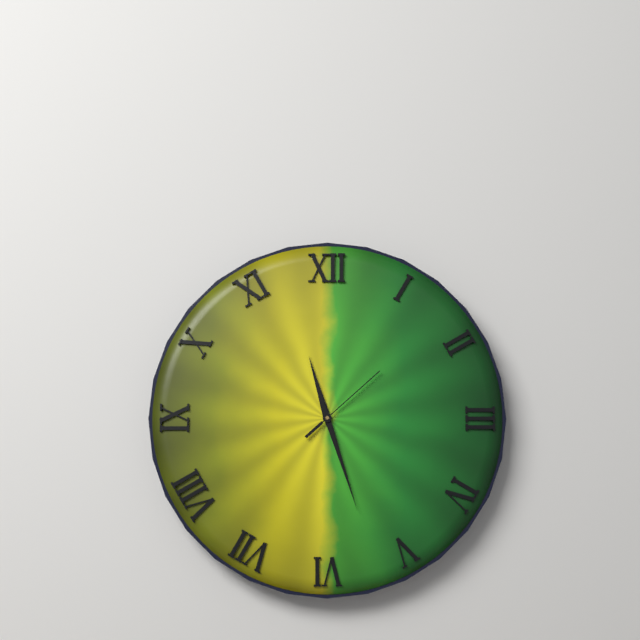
11.27.08
